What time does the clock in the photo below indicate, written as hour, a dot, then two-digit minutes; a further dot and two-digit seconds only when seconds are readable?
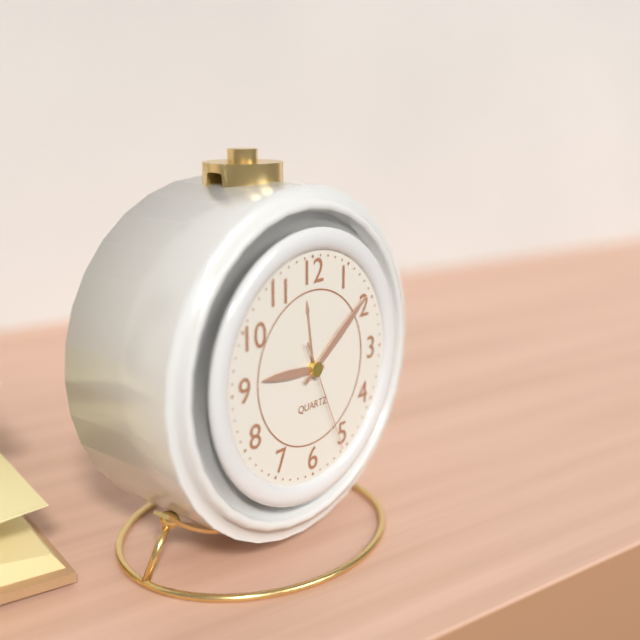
9.09.26
